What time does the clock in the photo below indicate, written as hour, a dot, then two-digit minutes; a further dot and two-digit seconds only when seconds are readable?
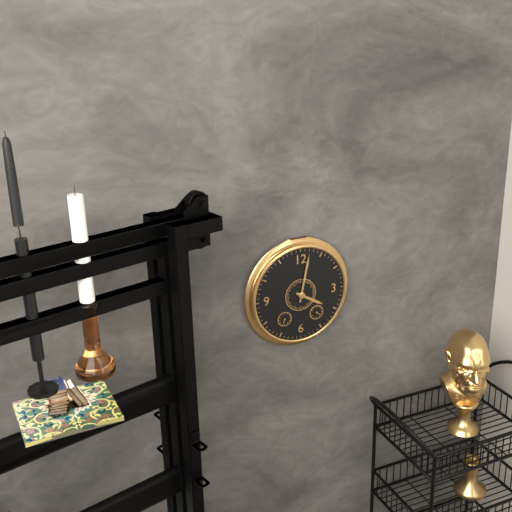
4.02
